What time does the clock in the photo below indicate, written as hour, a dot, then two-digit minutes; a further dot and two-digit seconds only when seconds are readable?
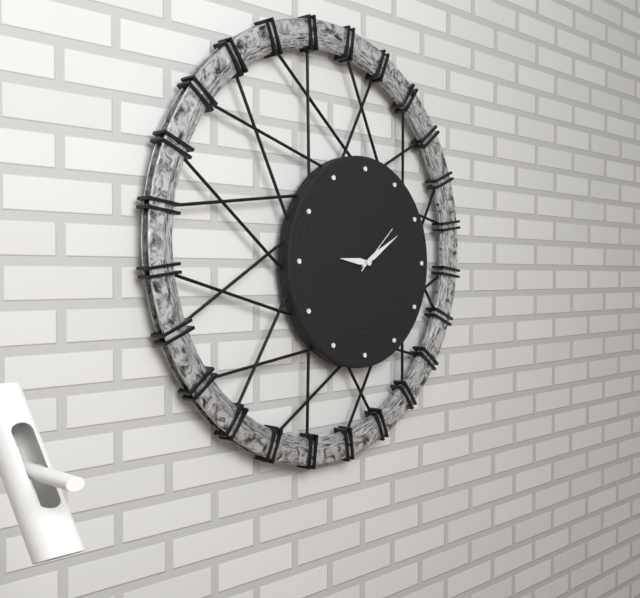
9.10.08
